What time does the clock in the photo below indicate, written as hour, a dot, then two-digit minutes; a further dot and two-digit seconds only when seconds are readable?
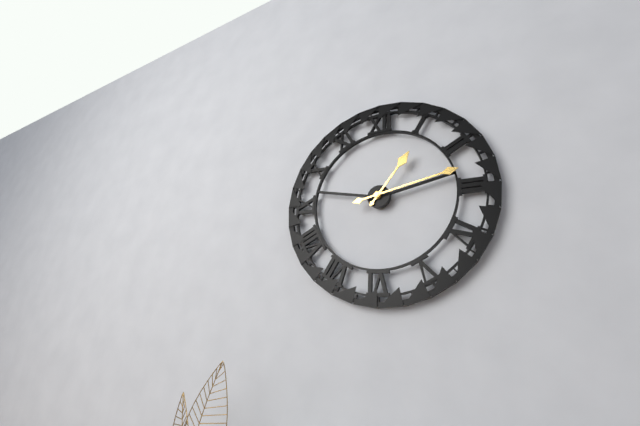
1.13
